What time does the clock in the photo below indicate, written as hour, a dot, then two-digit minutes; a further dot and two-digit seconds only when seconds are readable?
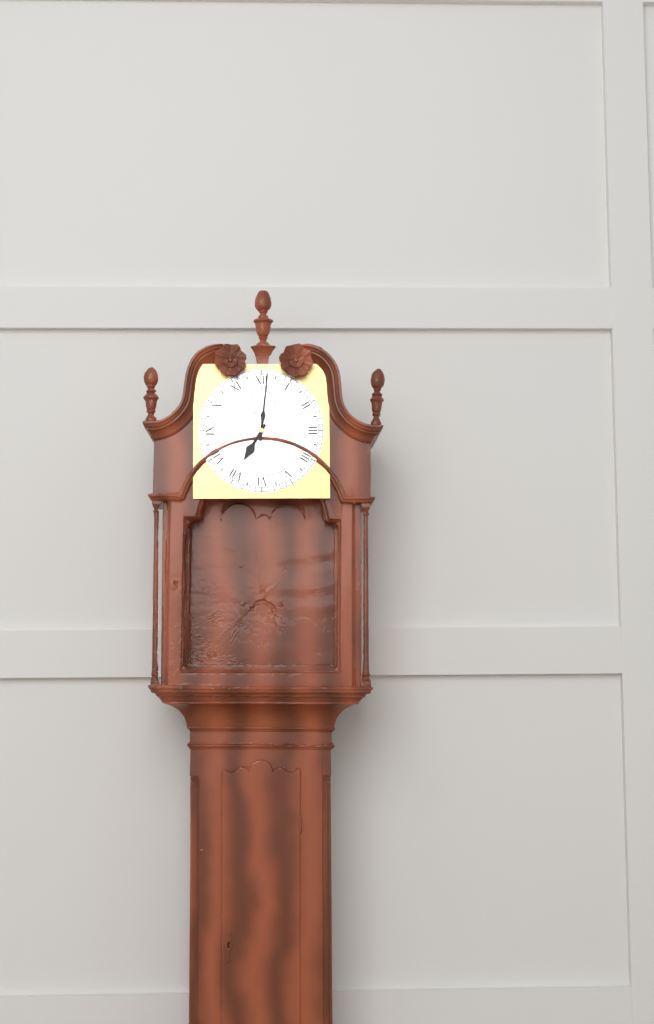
7.01
